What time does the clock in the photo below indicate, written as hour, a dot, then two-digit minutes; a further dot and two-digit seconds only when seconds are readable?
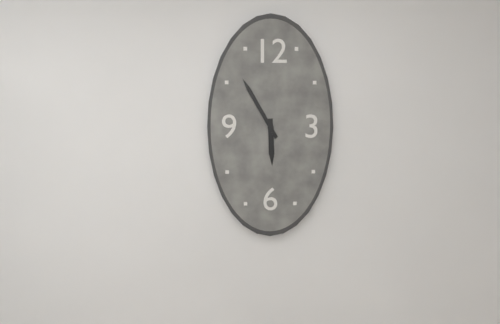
5.55
